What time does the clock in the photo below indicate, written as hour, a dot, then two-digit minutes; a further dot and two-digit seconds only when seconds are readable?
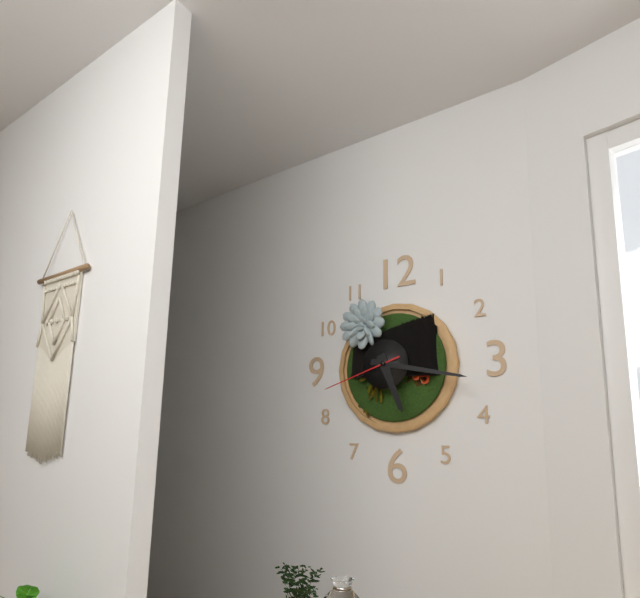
5.17.42
